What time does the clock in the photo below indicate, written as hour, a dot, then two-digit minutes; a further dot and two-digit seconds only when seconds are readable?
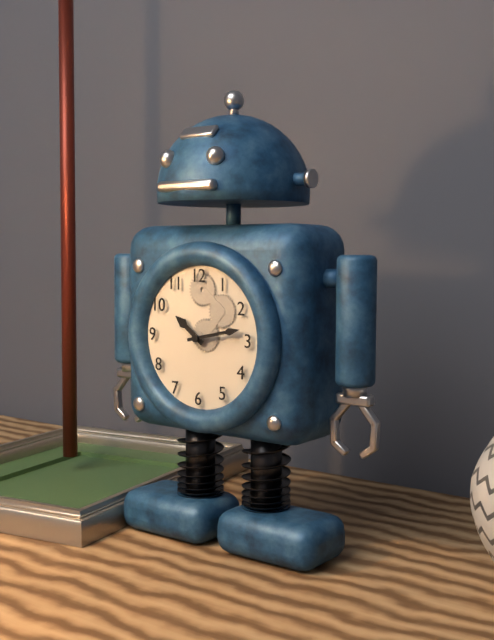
10.13
